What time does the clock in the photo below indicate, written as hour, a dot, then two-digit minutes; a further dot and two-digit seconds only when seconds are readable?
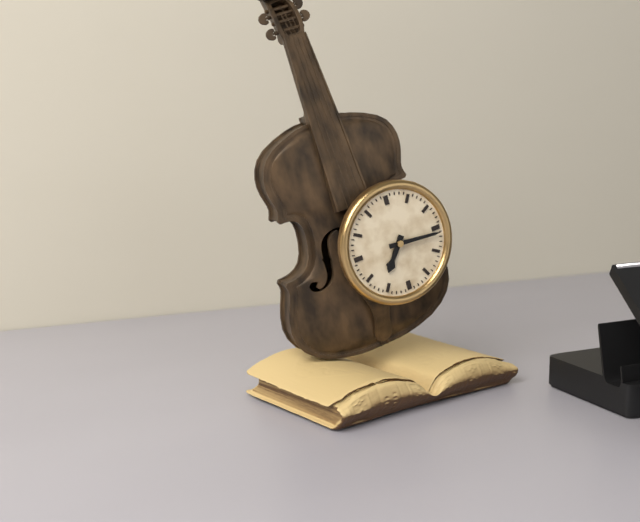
7.16
